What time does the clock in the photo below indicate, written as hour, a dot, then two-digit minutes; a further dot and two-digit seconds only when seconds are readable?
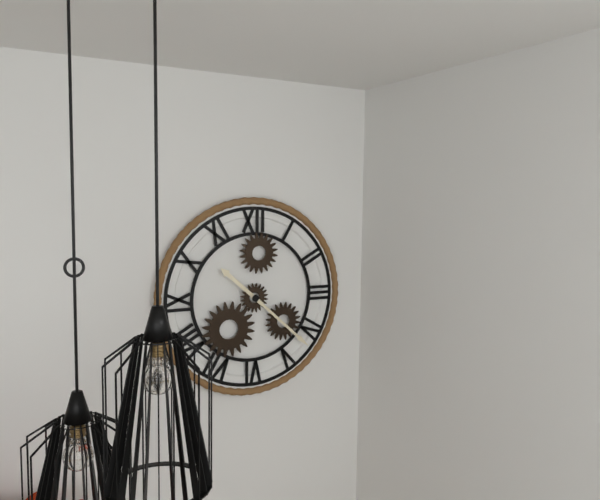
10.22
